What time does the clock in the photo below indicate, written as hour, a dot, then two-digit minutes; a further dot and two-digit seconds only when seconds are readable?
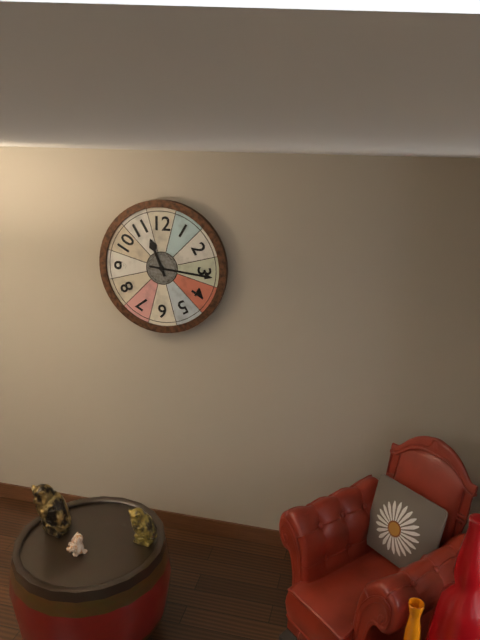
11.16
